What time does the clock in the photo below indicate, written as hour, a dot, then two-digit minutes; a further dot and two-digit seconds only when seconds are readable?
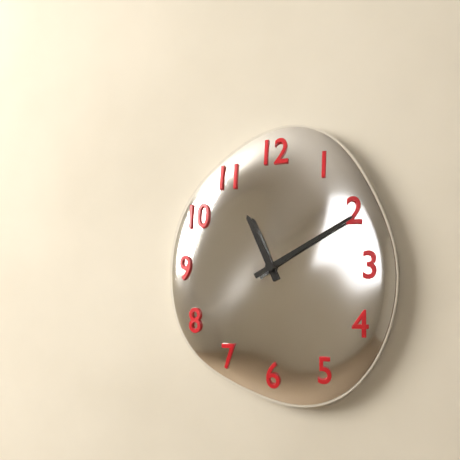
11.10
